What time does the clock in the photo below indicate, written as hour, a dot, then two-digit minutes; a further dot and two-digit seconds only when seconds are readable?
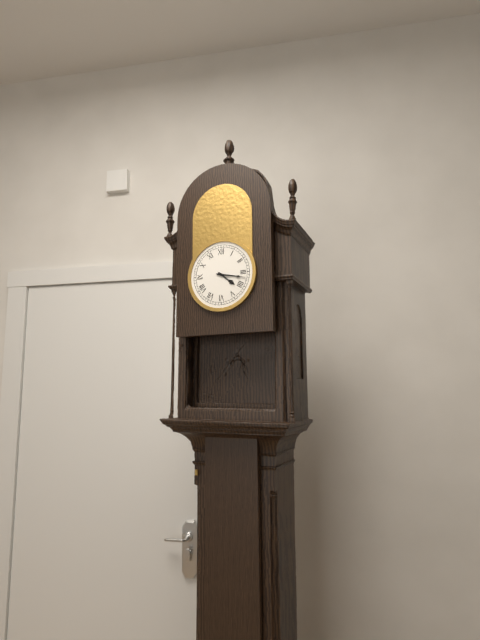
4.17
